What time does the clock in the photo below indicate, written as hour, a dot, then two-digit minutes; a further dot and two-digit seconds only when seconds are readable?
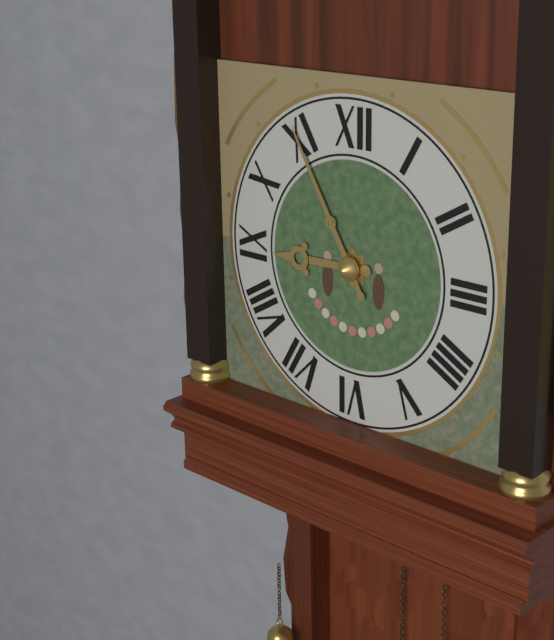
8.55
